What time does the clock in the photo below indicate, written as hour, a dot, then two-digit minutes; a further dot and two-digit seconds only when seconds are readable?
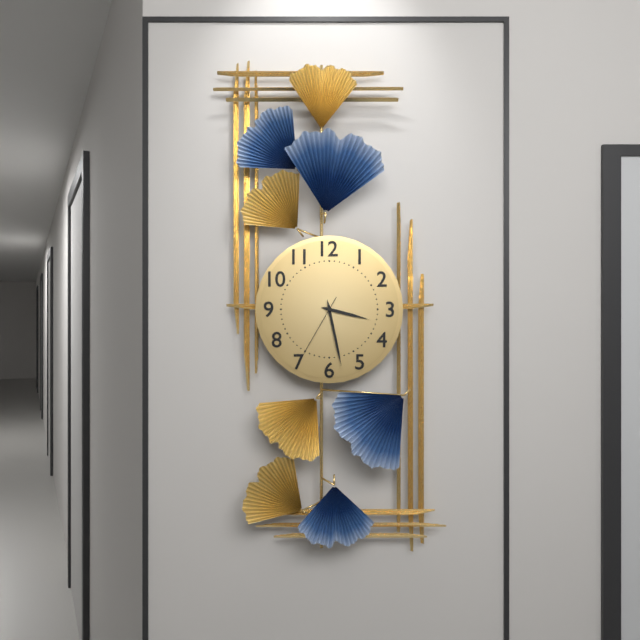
3.28.35
